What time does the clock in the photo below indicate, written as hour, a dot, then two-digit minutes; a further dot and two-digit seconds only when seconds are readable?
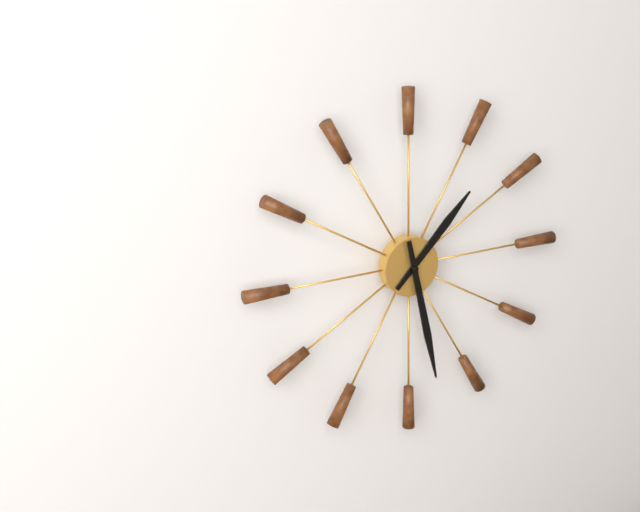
1.28
